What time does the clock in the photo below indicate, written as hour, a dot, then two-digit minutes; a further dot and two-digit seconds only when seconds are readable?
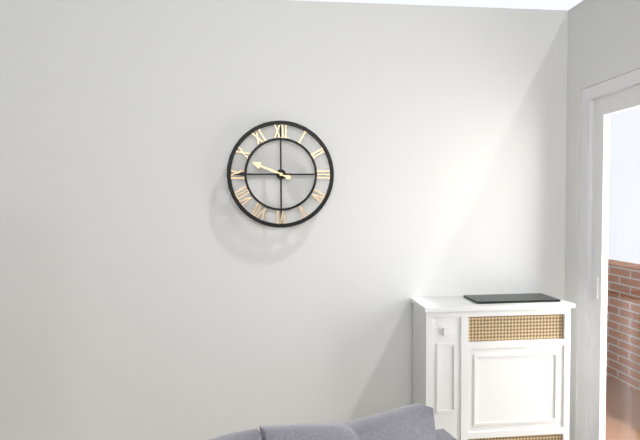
9.45
